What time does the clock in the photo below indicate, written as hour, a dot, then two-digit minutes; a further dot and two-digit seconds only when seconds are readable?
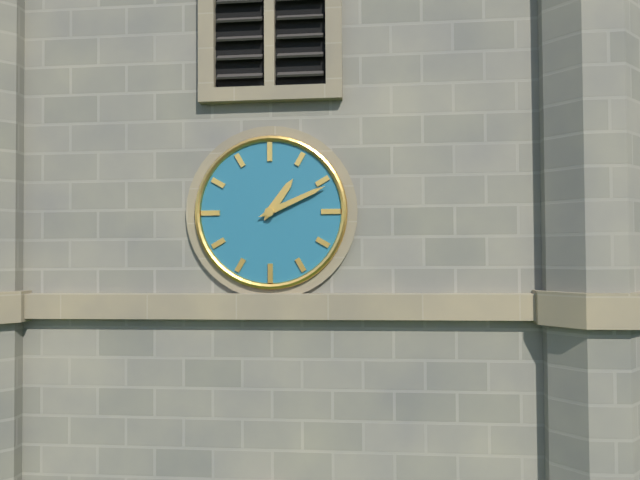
1.11
